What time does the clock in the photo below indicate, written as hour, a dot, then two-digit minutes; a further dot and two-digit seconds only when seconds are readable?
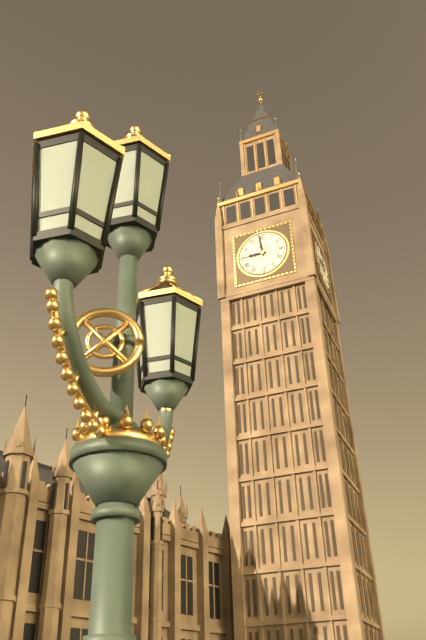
8.59
